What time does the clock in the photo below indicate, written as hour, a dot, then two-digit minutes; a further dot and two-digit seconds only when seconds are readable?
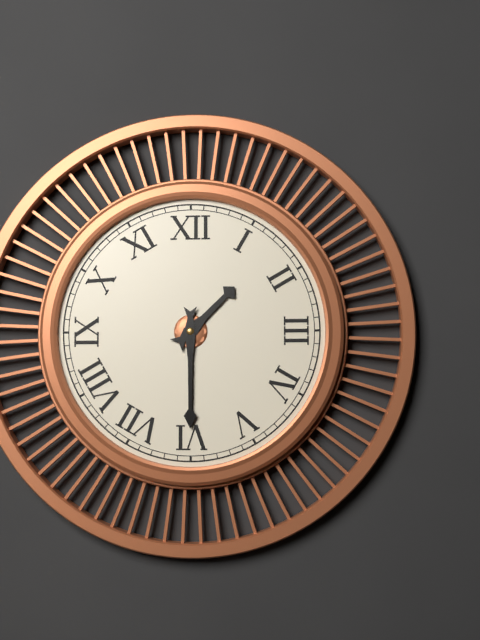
1.30
